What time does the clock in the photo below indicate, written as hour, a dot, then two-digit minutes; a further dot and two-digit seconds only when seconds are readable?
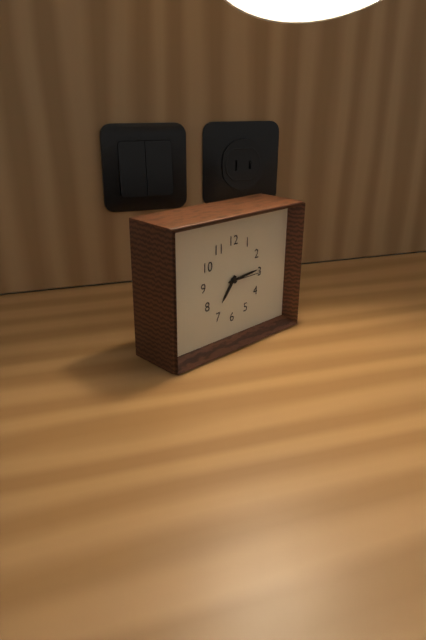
7.14.15
